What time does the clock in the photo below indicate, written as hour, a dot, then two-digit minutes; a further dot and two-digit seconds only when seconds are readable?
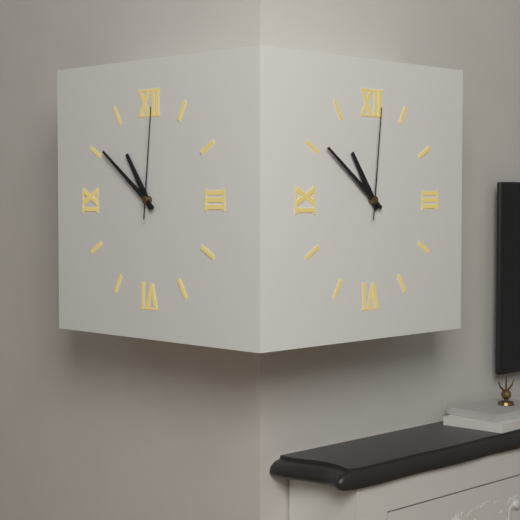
10.51.01
